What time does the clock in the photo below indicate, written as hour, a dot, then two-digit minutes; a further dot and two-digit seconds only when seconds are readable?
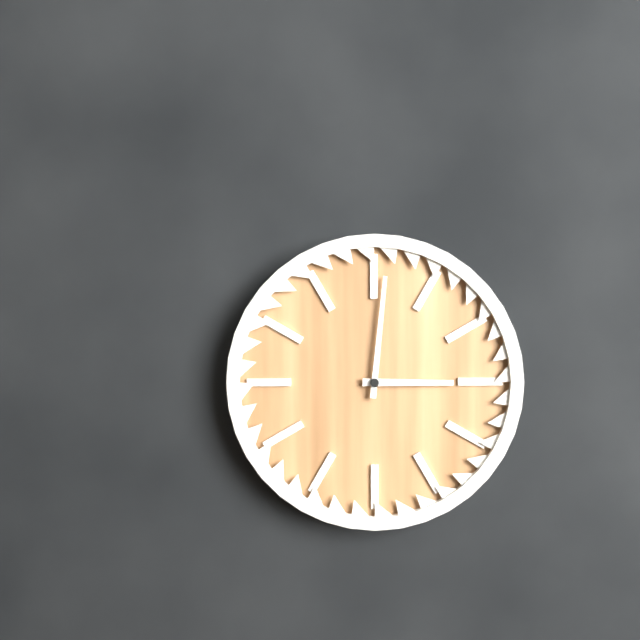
3.01
